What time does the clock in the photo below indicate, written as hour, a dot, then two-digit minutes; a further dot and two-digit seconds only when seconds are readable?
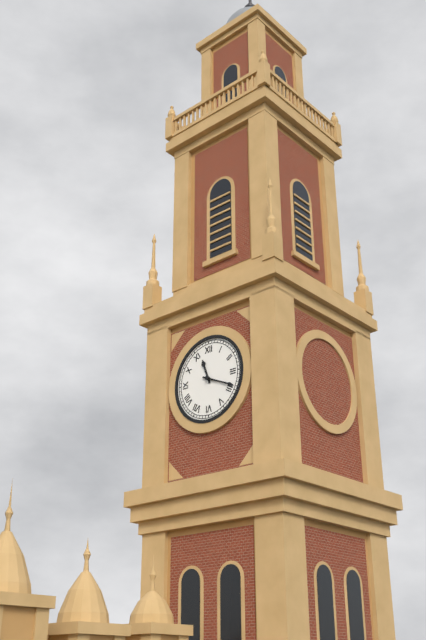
11.19
